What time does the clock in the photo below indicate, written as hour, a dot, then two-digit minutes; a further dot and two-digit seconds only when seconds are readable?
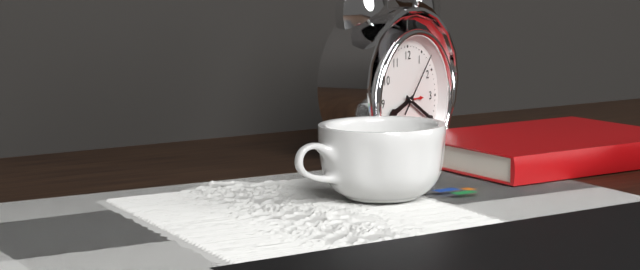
8.20.07
